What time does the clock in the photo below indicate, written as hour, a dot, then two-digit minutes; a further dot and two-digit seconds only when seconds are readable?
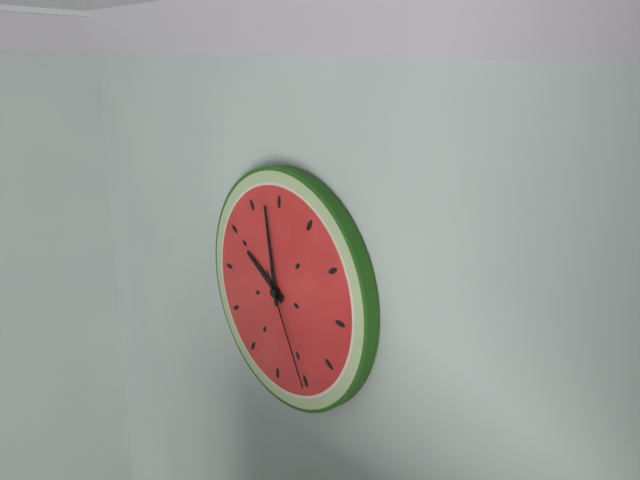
9.58.25
